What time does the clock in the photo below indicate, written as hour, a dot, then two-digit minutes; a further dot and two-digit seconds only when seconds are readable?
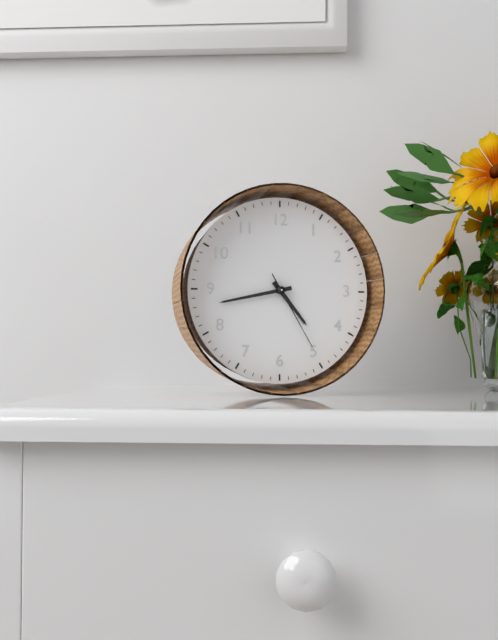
4.43.25
